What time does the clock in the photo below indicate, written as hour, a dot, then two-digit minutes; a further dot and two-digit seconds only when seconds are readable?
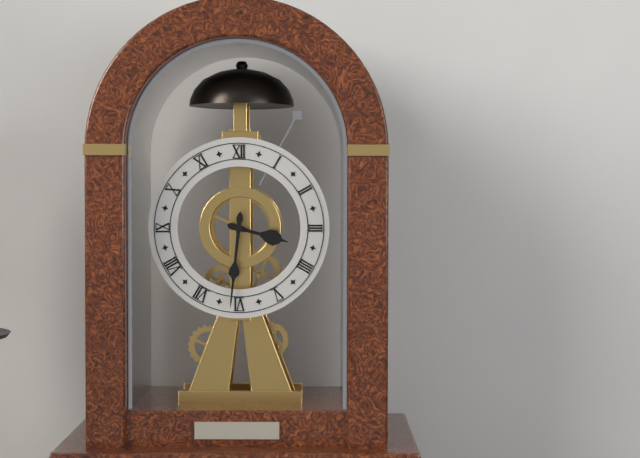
3.31
